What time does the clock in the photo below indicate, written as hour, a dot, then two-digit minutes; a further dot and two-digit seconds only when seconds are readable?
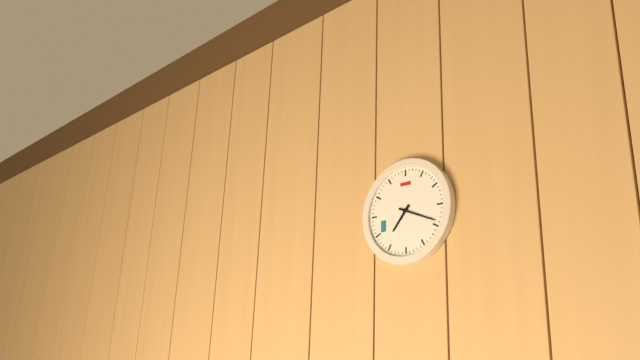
7.19
